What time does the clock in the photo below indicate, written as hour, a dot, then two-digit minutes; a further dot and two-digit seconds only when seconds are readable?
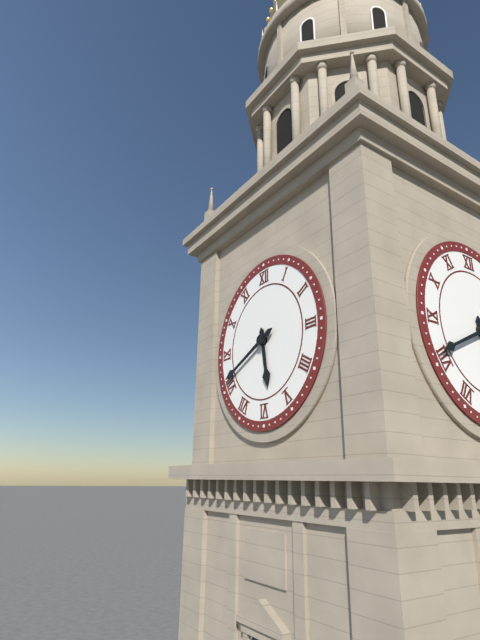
5.41
